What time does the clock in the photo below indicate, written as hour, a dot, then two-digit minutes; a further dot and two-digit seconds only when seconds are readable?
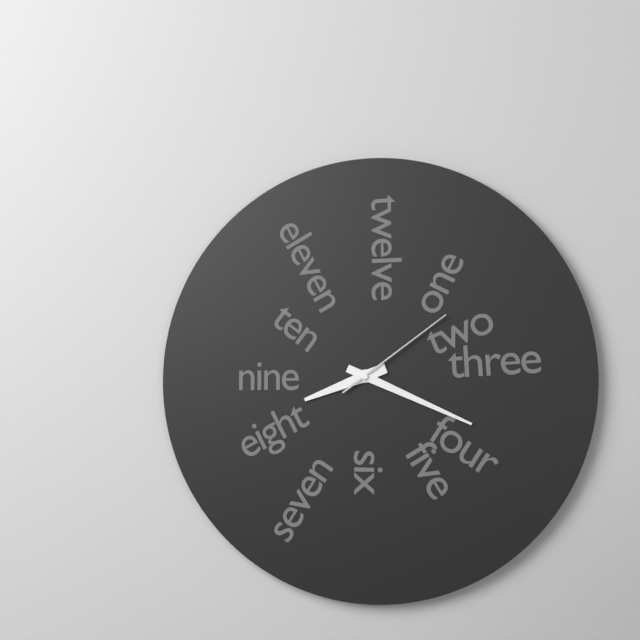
8.19.09
